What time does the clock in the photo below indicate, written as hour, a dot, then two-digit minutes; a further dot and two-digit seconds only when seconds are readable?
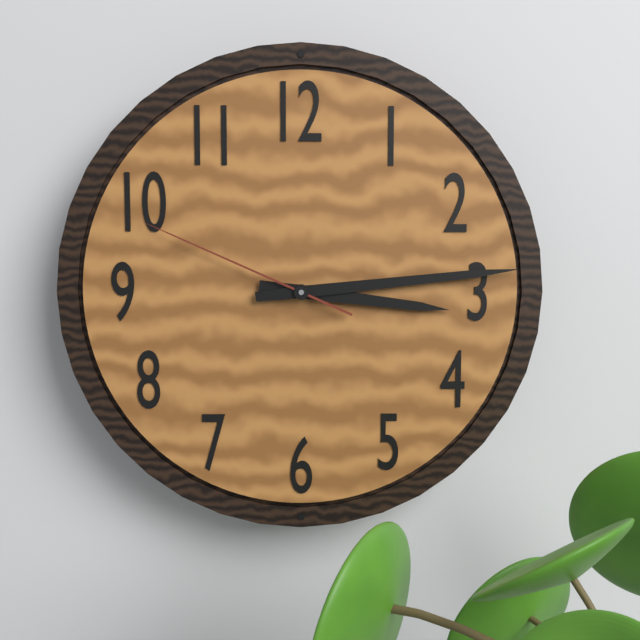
3.14.49
